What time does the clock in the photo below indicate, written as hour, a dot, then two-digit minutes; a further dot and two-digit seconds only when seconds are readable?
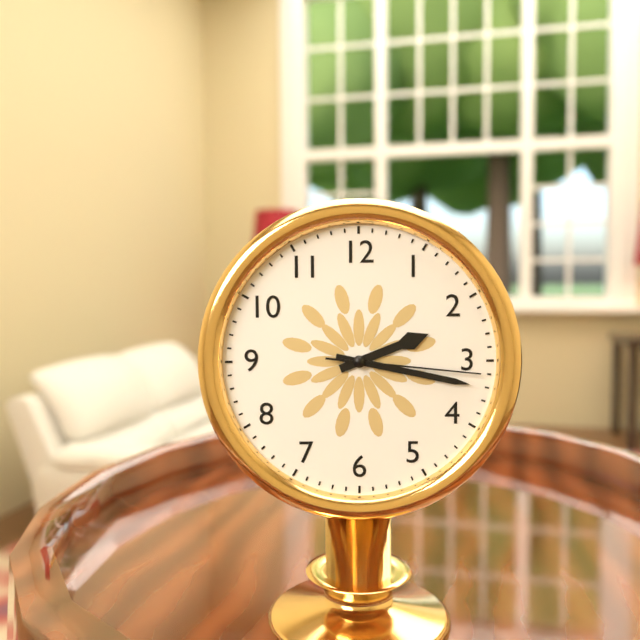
2.17.16
